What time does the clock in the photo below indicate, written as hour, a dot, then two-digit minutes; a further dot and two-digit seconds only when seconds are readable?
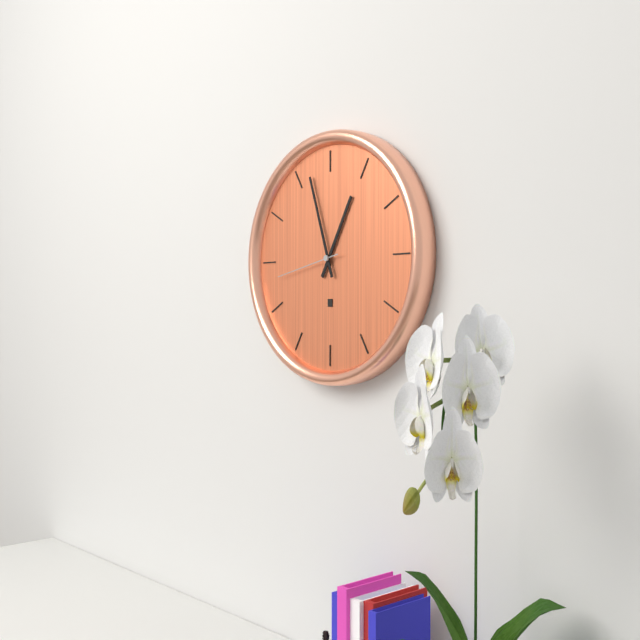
12.57.43
